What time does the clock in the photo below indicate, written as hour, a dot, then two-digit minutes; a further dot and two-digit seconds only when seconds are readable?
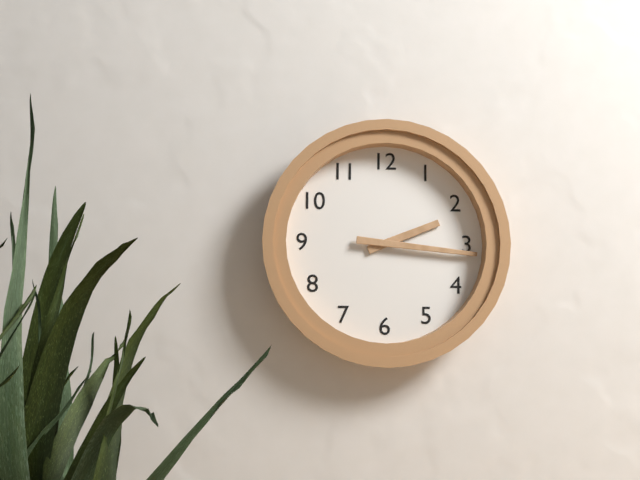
2.16
